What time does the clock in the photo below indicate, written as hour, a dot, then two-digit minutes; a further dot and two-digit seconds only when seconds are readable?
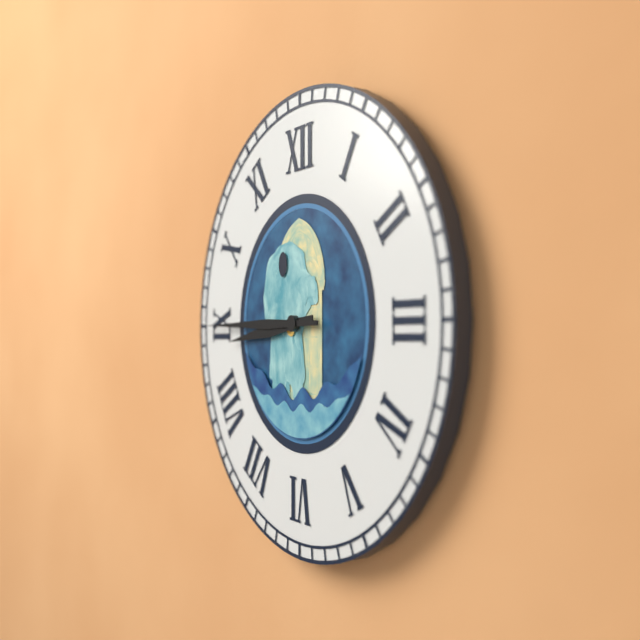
8.45
